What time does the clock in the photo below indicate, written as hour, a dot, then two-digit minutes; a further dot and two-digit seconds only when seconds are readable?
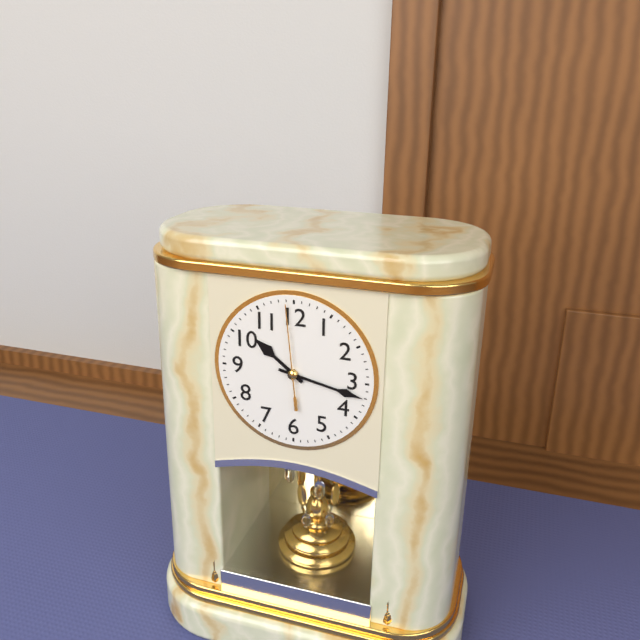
10.17.59
